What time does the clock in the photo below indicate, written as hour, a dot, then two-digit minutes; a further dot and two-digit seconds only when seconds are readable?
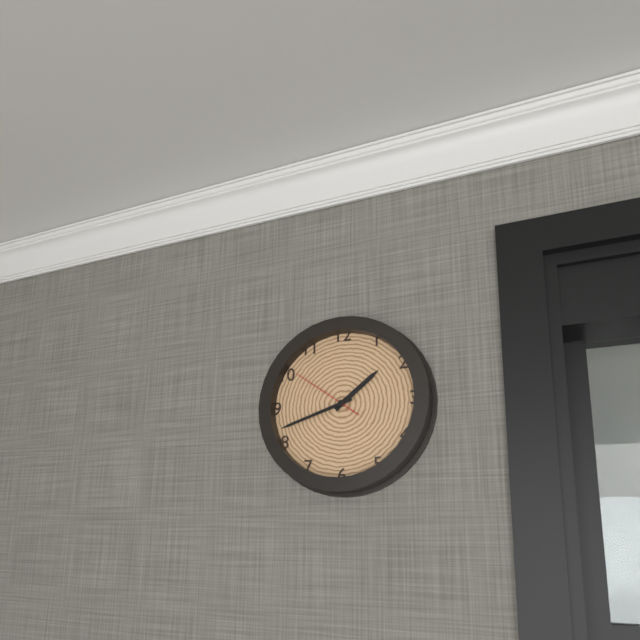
1.42.51
